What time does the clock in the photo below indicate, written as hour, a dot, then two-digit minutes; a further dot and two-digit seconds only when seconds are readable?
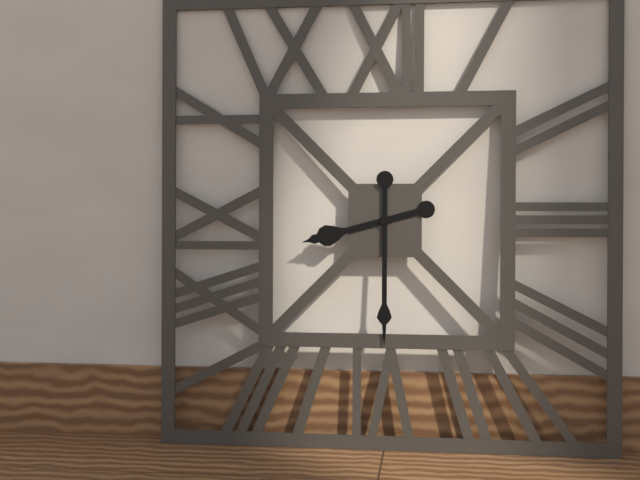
8.30
